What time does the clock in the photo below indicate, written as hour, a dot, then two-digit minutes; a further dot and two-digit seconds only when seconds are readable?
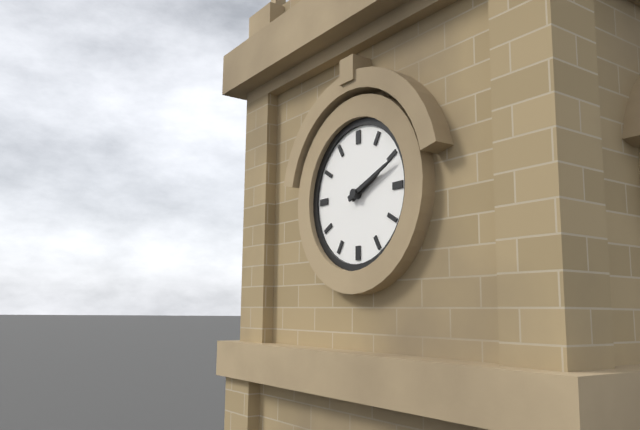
2.11
